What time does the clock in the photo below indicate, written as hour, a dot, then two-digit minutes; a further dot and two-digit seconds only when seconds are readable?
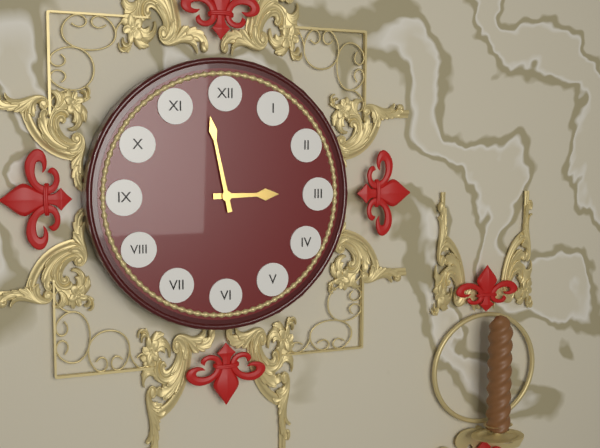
2.58
